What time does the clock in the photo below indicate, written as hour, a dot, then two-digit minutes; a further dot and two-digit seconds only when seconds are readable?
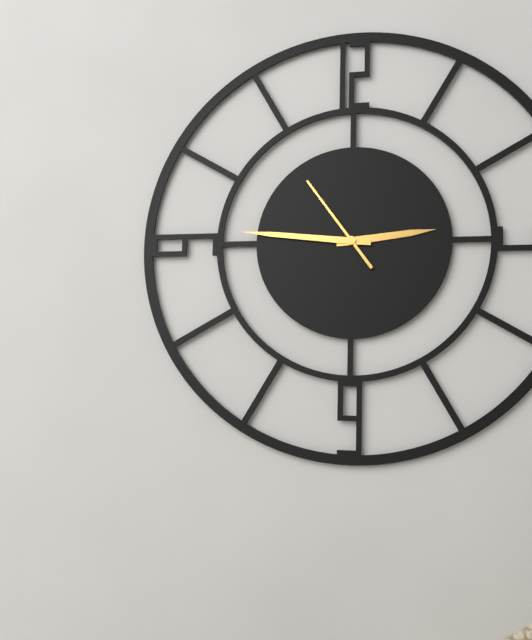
2.46.54
